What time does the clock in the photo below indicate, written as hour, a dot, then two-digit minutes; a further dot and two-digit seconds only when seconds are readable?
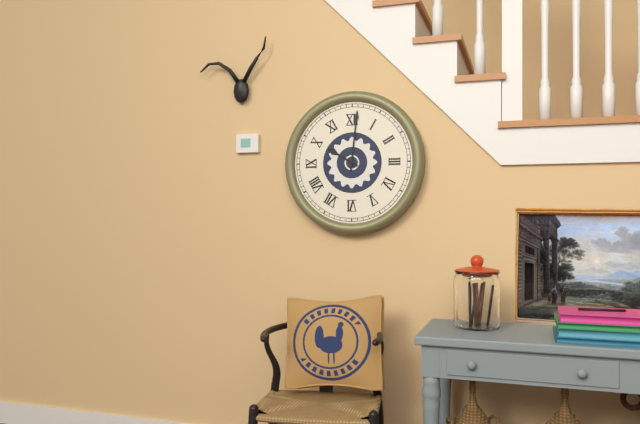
10.01
